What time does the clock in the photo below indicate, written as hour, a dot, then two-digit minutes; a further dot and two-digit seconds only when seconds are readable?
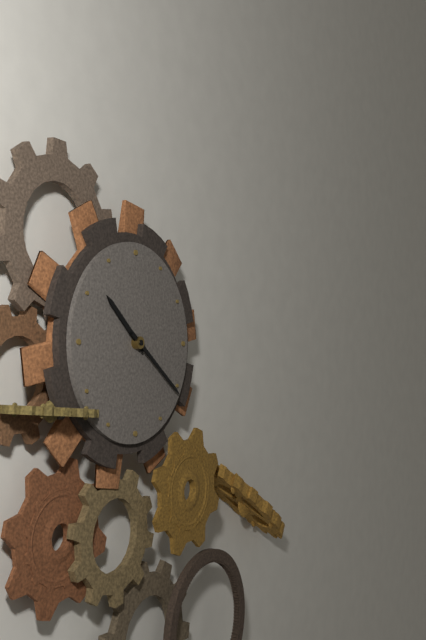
10.21
